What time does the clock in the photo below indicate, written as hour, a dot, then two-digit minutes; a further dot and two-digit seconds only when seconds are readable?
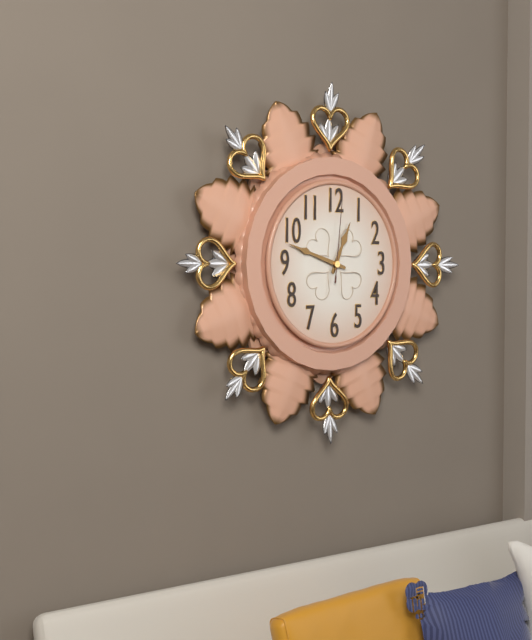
12.48.01
